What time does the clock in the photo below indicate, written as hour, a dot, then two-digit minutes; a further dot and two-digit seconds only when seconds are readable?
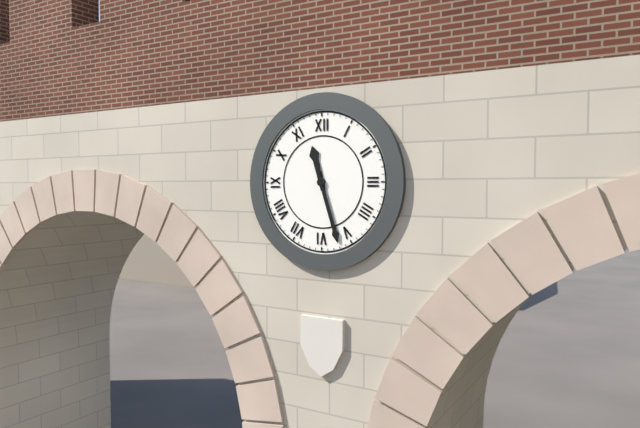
11.27
